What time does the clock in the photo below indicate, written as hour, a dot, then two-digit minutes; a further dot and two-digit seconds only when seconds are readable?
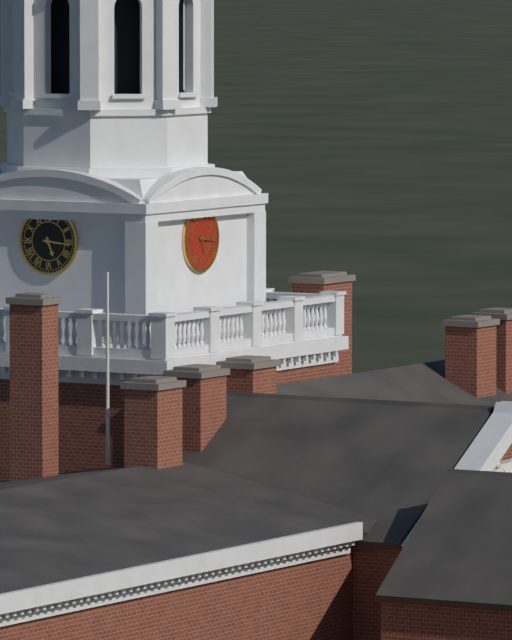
5.16
